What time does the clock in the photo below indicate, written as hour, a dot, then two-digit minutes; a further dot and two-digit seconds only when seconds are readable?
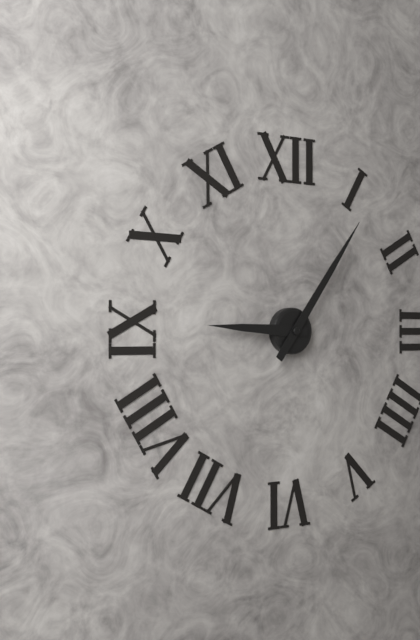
9.06
